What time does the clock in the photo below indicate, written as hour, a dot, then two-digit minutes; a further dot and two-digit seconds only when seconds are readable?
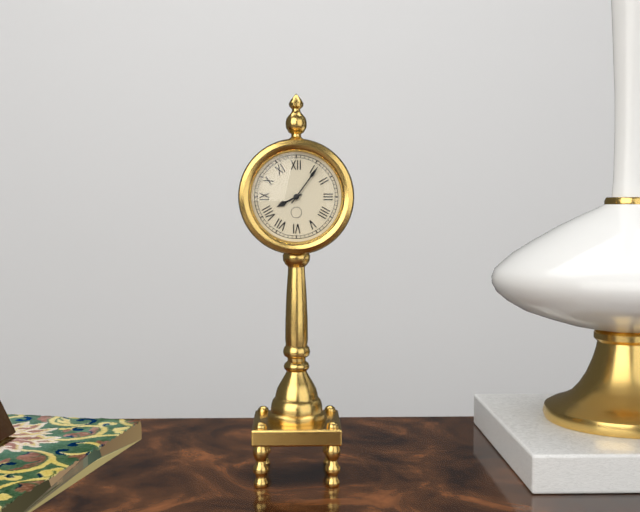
8.06
